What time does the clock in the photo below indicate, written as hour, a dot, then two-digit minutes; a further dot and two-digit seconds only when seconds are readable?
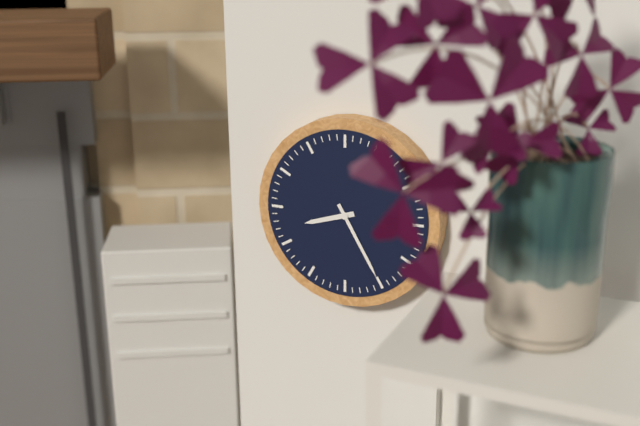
8.25
